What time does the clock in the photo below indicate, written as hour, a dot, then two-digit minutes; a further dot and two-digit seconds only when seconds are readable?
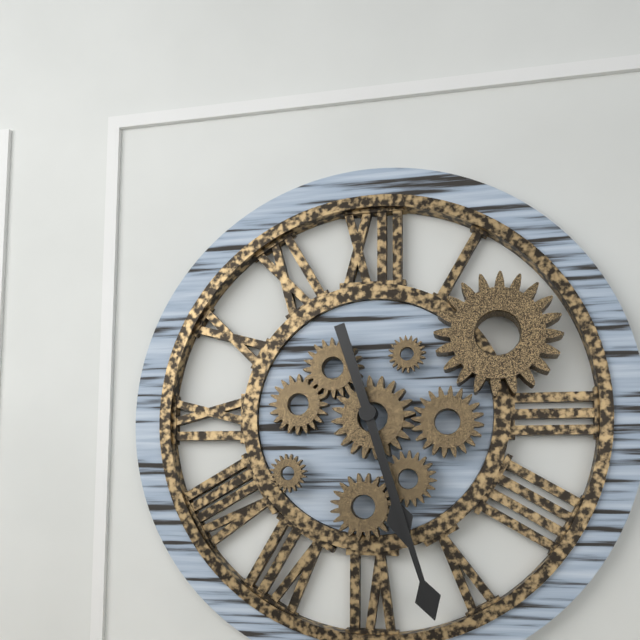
5.27
